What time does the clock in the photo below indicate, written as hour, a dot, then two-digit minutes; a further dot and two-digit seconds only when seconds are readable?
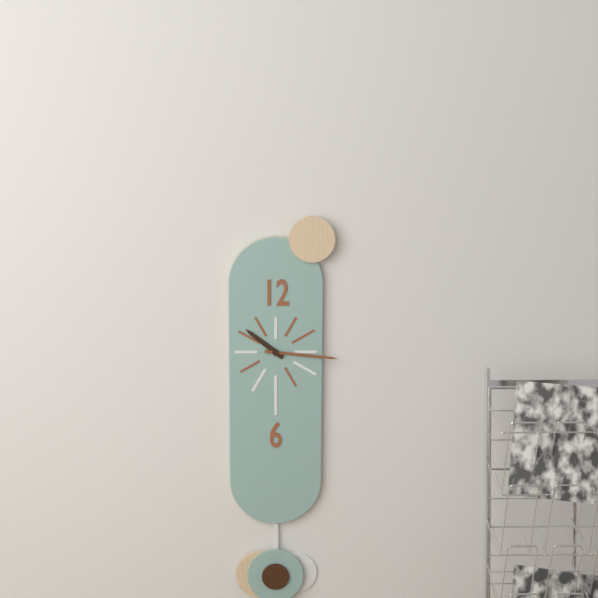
10.16
